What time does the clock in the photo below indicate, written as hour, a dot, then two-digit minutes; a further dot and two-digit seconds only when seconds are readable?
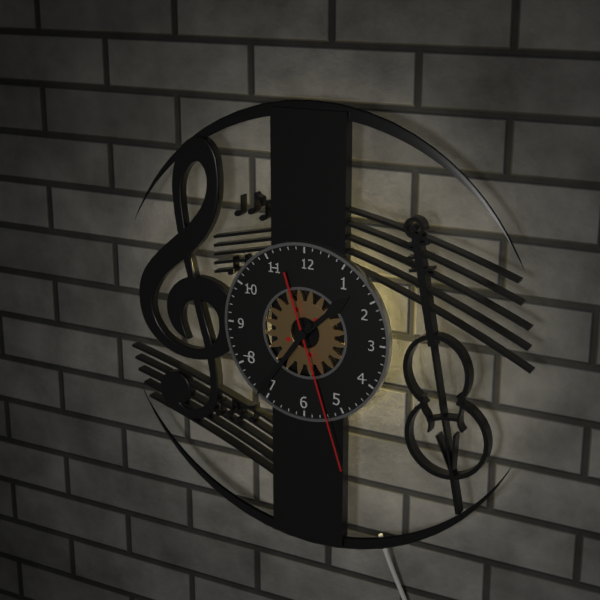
1.36.27
